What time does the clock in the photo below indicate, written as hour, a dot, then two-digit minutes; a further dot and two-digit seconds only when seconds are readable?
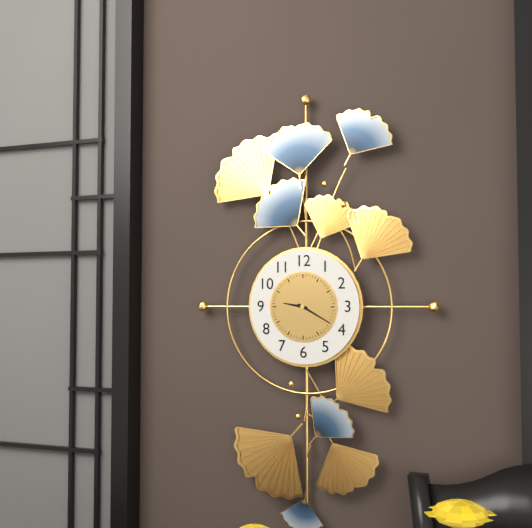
9.20
